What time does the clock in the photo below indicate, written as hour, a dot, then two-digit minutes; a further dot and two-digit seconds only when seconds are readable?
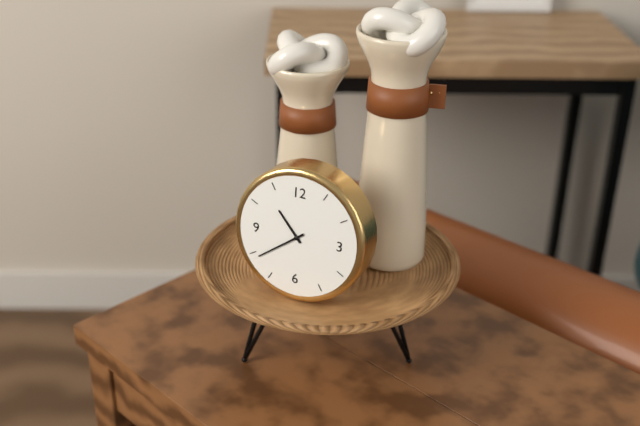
10.39
